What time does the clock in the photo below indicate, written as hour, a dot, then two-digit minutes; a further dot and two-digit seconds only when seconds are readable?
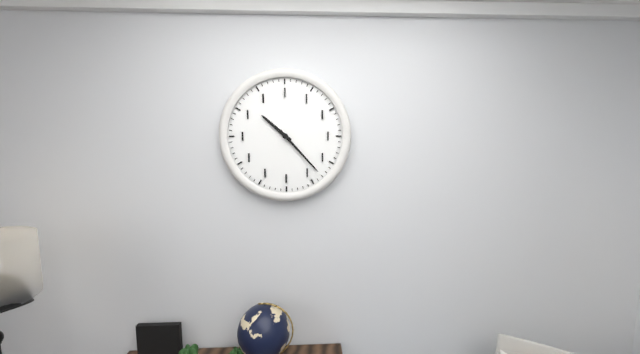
10.23
